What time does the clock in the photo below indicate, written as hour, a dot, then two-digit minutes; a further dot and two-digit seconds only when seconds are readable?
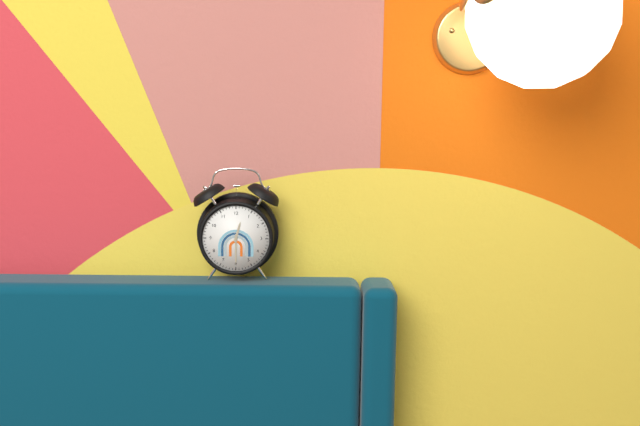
12.30
